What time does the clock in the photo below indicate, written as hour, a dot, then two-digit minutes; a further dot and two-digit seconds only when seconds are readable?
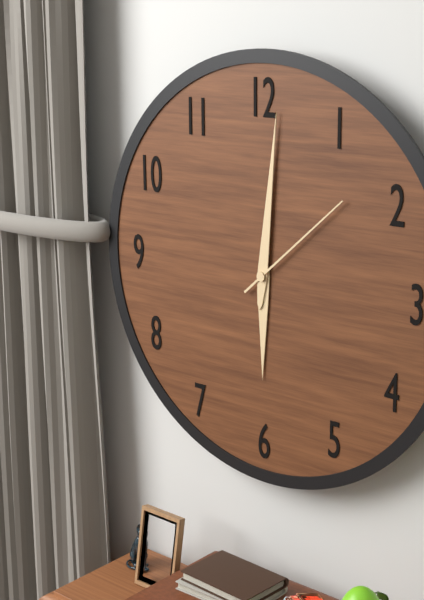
6.01.08
